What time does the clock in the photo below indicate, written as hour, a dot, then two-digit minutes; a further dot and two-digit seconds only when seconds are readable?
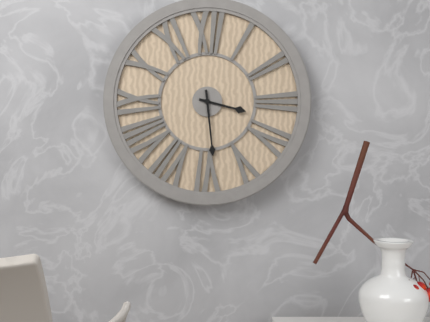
3.29
